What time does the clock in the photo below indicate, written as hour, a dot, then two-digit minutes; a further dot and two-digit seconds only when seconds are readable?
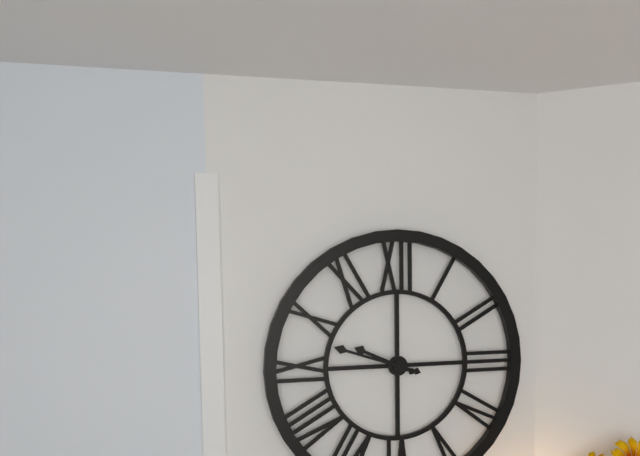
9.48
